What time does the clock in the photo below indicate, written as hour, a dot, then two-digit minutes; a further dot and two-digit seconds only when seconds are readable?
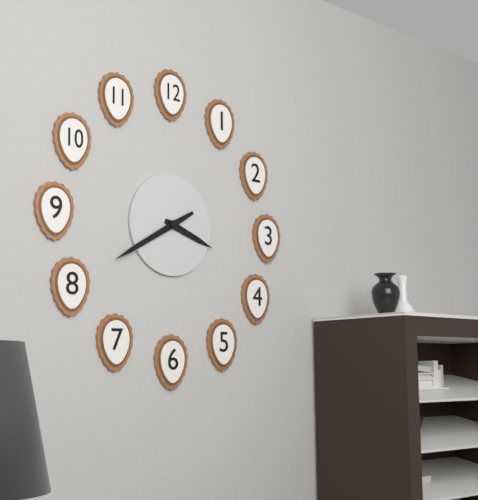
3.40
